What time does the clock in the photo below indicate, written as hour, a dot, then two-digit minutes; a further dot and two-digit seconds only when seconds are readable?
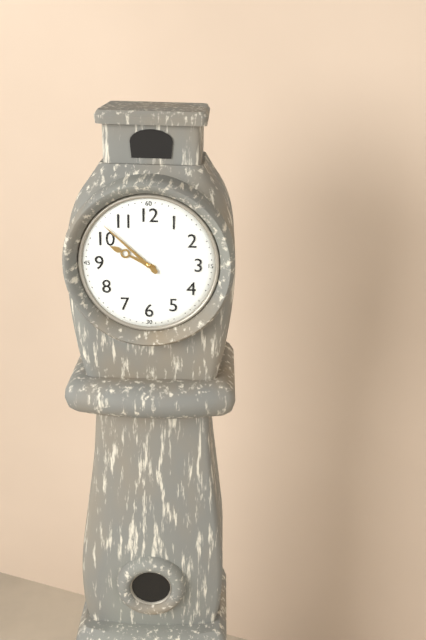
9.52
